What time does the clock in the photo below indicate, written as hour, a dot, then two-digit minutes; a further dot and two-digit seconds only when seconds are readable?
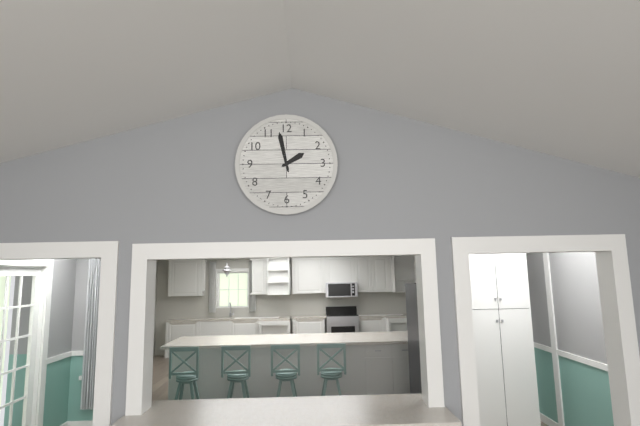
1.58
